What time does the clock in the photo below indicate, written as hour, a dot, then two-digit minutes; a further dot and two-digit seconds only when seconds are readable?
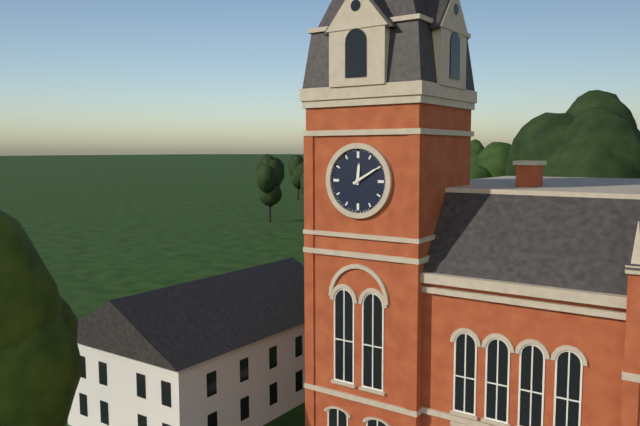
12.10
